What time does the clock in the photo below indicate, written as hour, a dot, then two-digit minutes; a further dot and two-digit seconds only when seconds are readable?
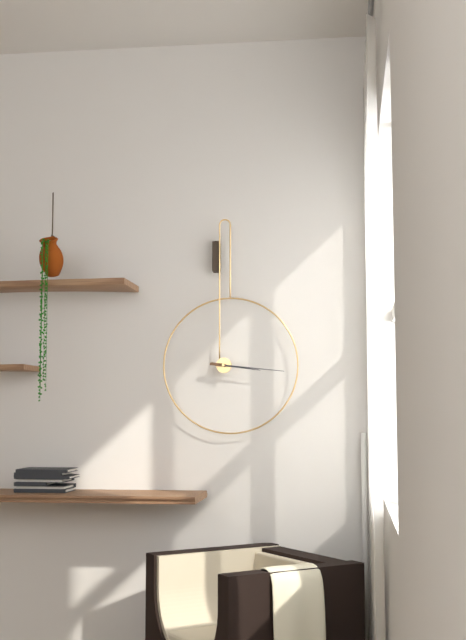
3.16
